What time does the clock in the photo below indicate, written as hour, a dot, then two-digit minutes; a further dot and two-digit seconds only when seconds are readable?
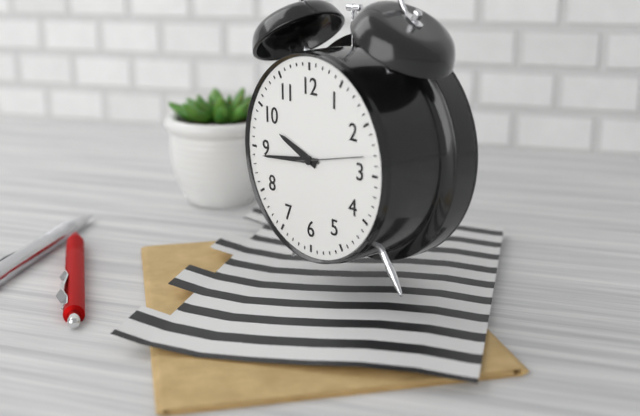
9.44
